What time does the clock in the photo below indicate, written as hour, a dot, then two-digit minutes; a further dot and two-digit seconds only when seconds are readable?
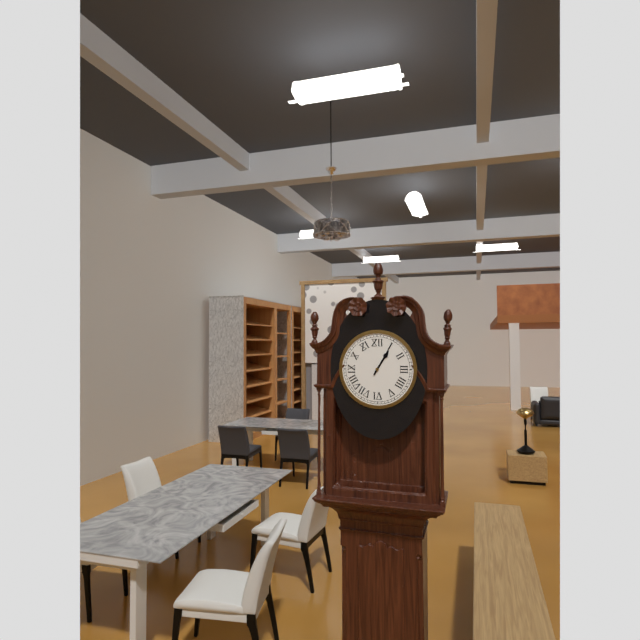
1.05
